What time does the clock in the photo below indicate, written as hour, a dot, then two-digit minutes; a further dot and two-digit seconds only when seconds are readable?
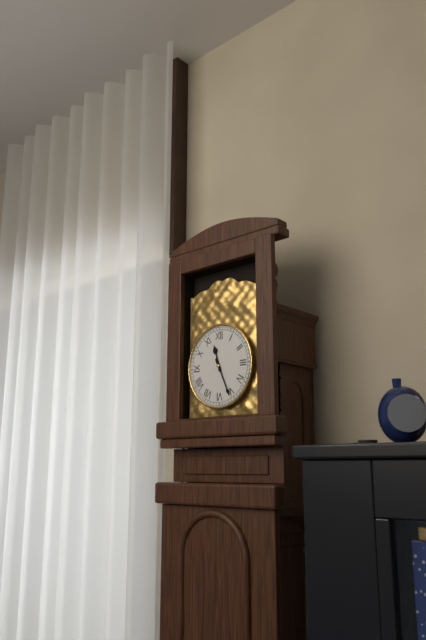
11.26
